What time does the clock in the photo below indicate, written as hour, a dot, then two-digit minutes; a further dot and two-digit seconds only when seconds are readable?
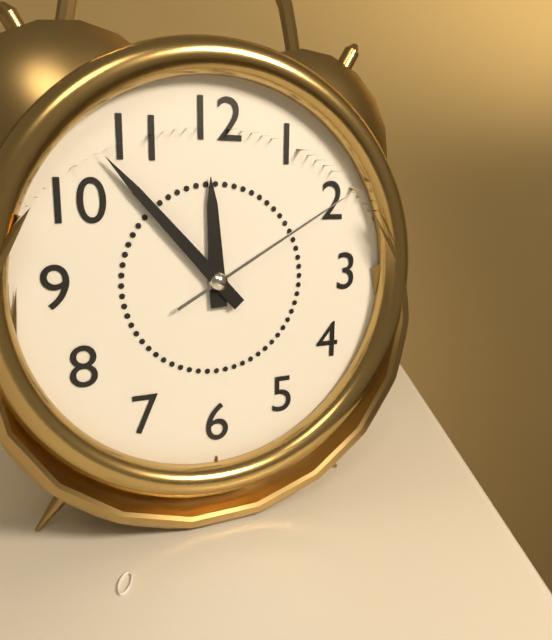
11.53.10
